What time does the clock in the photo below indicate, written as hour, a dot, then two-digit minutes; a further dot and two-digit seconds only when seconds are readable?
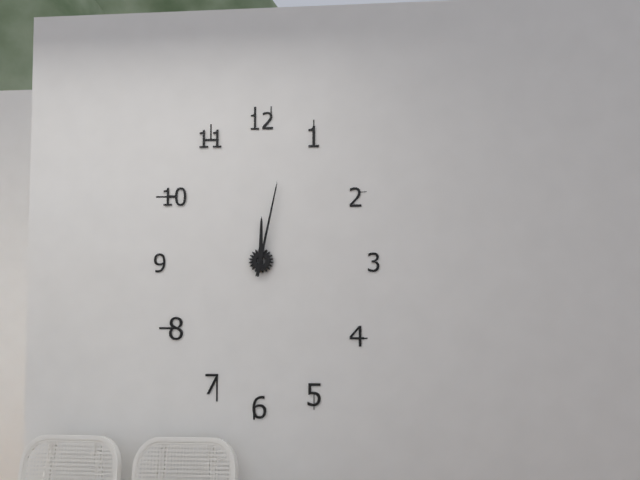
12.02
